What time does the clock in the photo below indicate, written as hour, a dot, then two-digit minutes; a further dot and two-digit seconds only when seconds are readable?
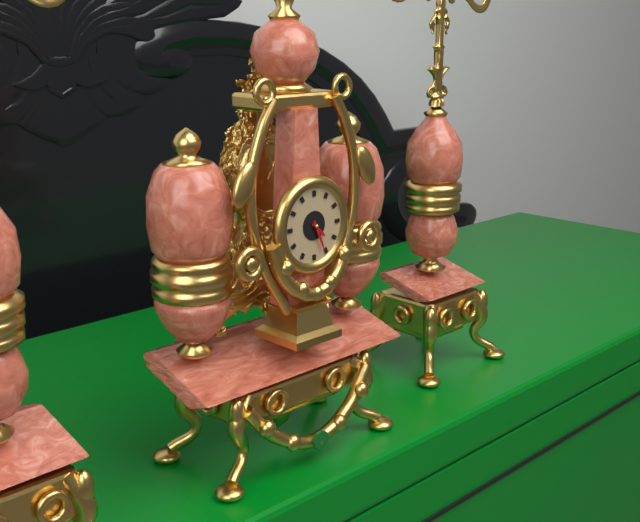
4.26
